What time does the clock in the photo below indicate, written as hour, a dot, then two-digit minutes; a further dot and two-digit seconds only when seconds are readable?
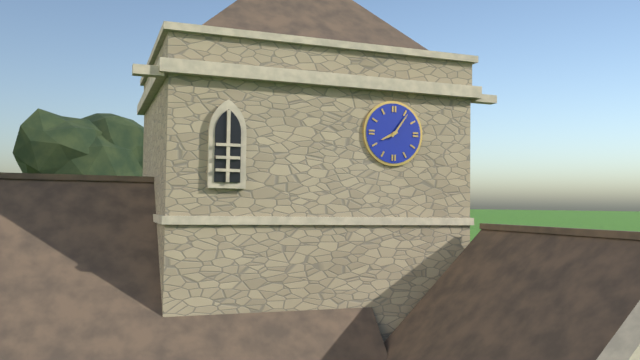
8.06
